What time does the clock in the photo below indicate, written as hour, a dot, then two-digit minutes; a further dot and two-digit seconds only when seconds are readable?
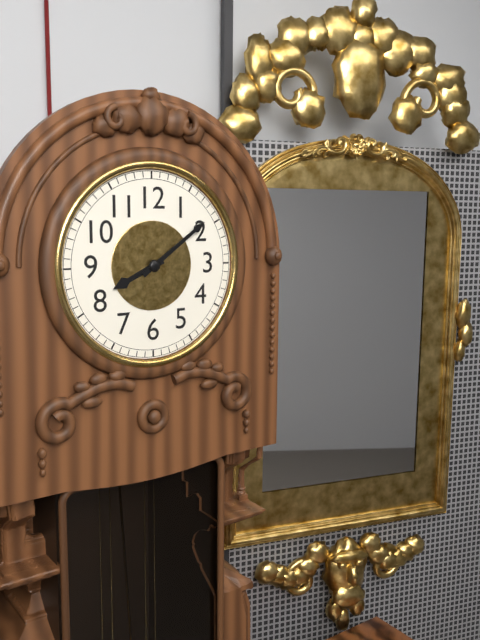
8.09
